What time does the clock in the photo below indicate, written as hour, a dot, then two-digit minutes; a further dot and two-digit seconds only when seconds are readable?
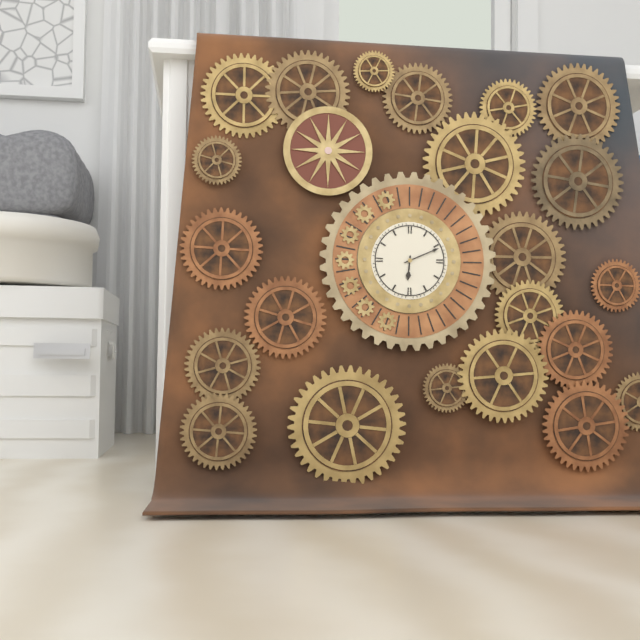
6.11
